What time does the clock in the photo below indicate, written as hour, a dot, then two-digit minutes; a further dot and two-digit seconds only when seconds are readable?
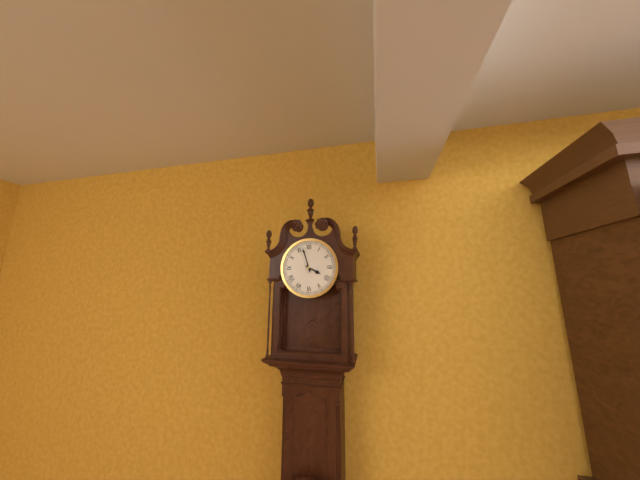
3.57
